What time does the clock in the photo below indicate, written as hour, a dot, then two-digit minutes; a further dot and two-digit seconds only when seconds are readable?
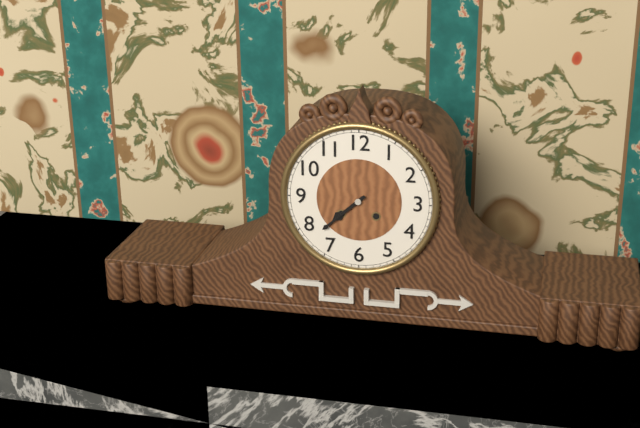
7.38
